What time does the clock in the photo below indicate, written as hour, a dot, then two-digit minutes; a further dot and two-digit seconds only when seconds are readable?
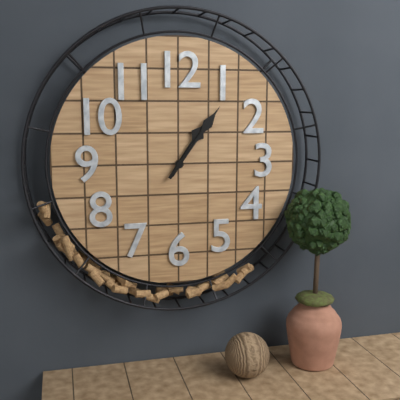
1.06
